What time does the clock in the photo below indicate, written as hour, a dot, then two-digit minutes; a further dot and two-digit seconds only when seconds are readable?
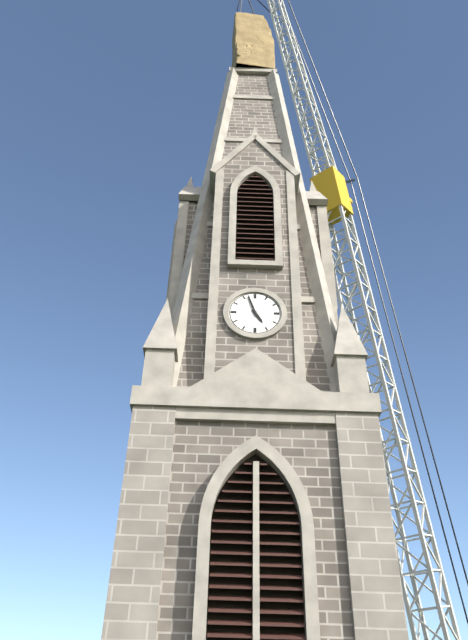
4.57
